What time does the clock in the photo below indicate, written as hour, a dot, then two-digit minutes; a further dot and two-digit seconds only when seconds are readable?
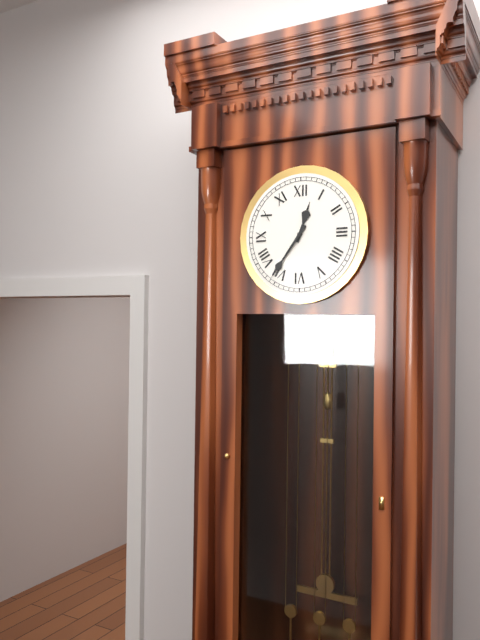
12.36
